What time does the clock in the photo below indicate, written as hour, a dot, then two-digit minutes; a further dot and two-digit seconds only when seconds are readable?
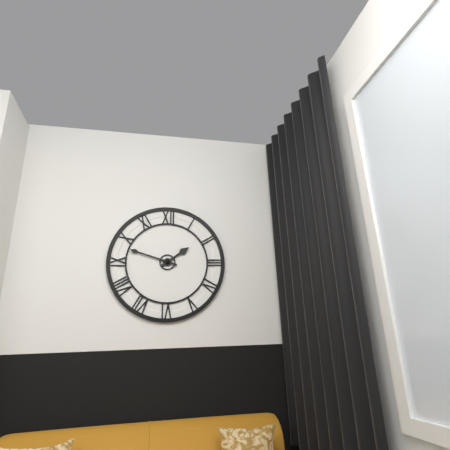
1.48
